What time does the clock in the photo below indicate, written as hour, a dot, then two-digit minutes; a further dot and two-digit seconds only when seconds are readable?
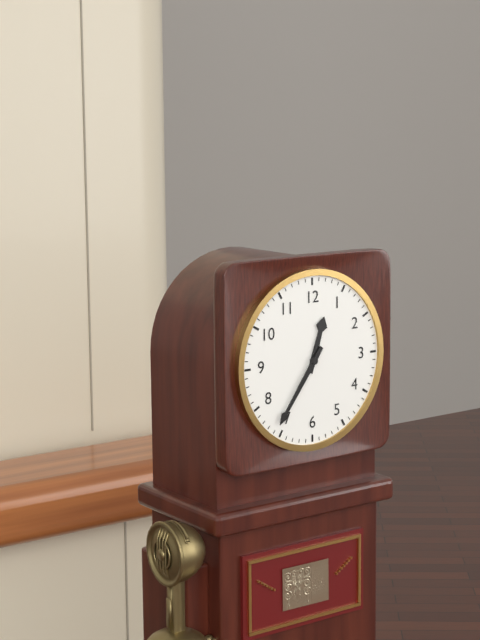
12.36
